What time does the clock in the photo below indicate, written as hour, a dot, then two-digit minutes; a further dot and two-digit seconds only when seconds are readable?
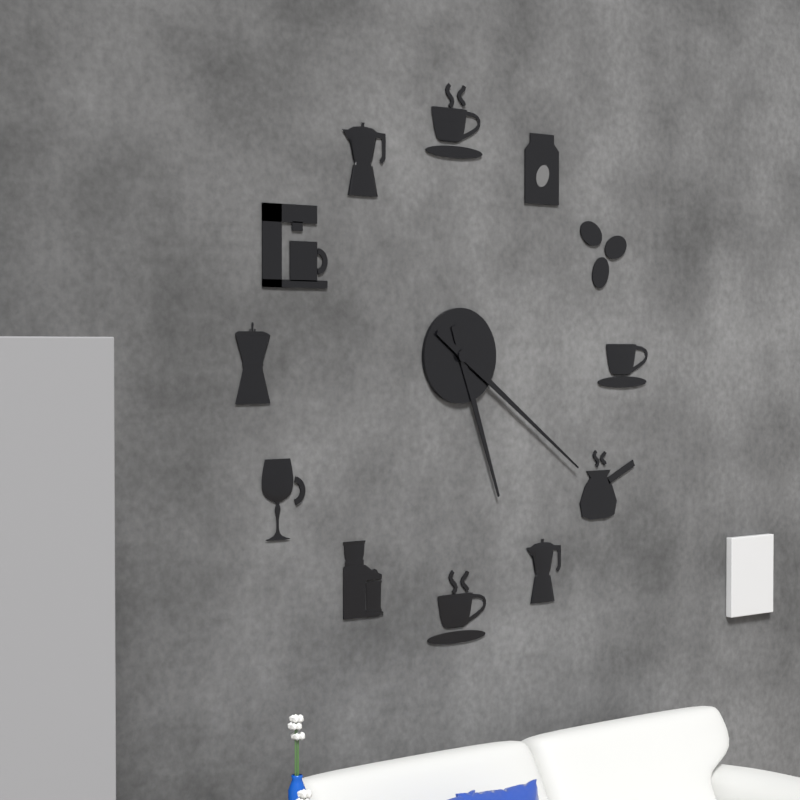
5.21
